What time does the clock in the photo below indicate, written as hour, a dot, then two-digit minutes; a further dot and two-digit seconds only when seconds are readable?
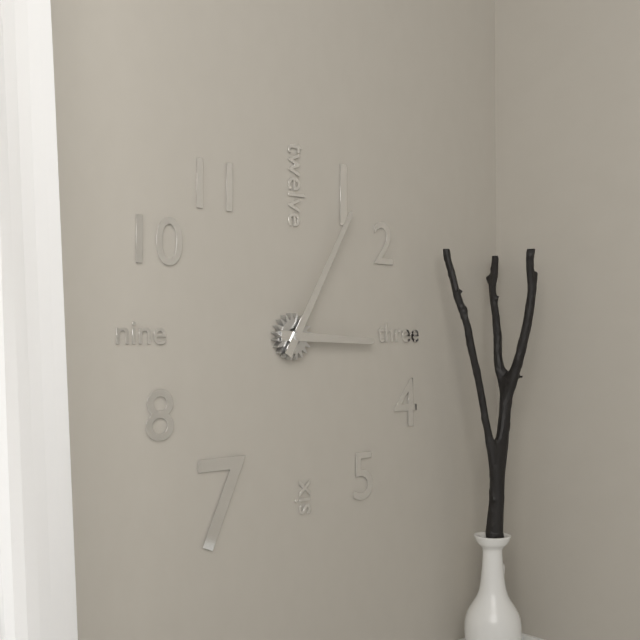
3.05
